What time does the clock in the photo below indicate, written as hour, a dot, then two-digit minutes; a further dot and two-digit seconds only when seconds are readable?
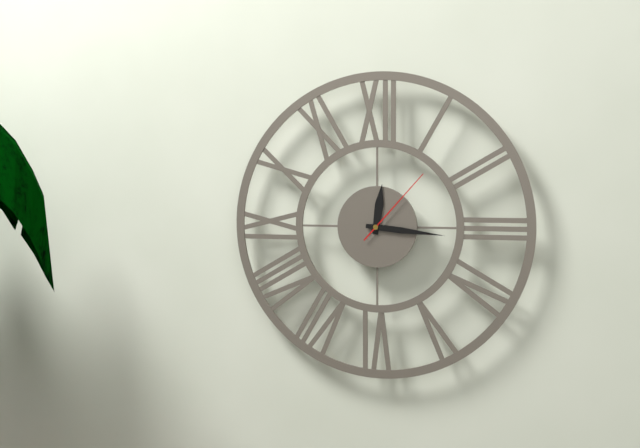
12.16.07
